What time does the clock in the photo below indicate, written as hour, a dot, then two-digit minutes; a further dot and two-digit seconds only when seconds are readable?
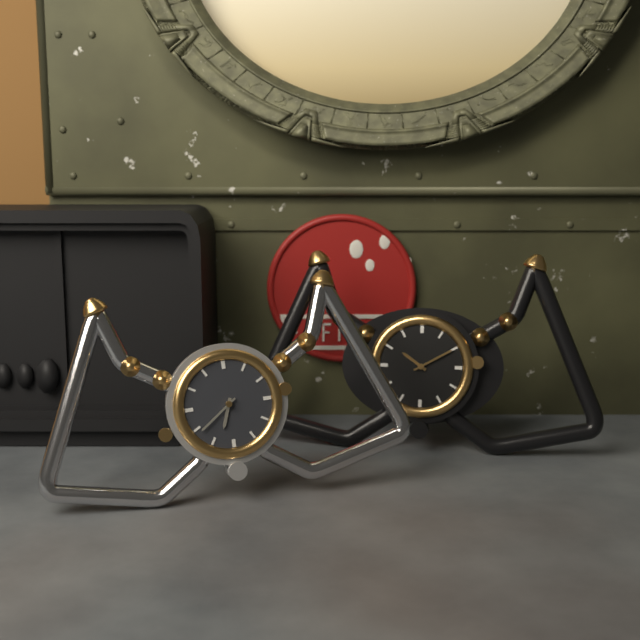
6.39
